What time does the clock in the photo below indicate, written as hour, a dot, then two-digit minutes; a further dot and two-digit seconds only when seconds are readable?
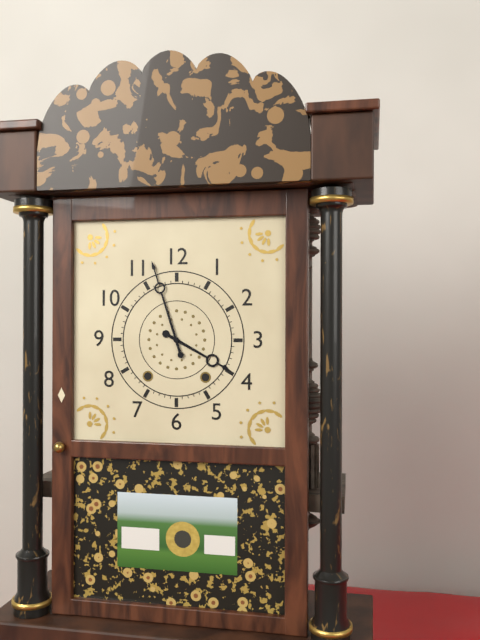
3.57
